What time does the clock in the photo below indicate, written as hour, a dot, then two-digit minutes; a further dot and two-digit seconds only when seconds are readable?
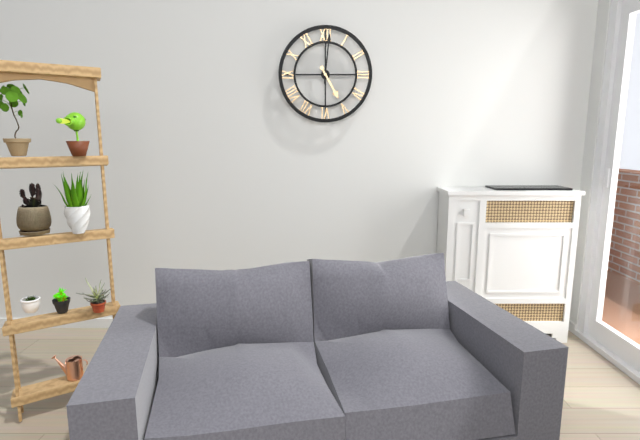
5.01
